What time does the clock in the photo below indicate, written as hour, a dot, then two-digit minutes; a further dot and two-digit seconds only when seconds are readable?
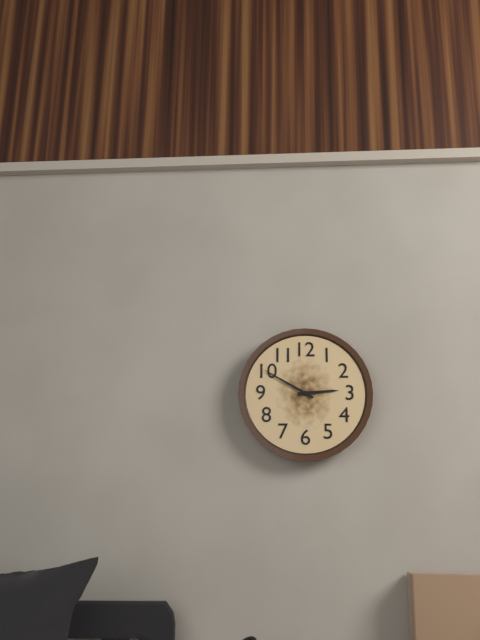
2.50
